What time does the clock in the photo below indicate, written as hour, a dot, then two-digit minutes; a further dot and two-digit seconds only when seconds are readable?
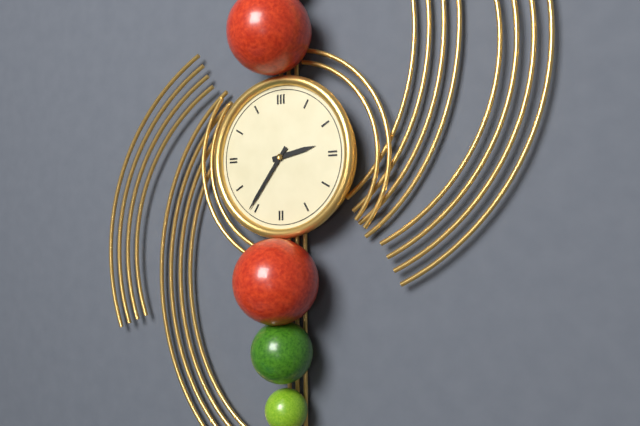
2.36
